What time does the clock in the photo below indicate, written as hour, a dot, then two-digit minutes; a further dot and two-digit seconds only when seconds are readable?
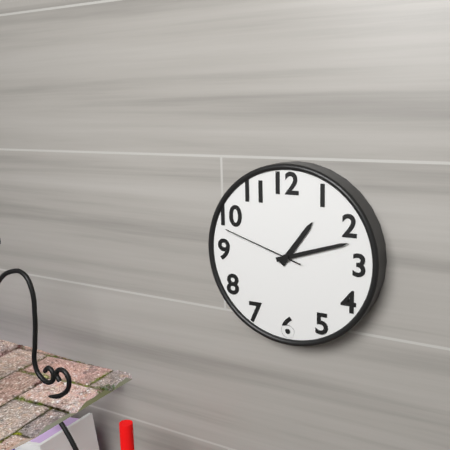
1.12.48
